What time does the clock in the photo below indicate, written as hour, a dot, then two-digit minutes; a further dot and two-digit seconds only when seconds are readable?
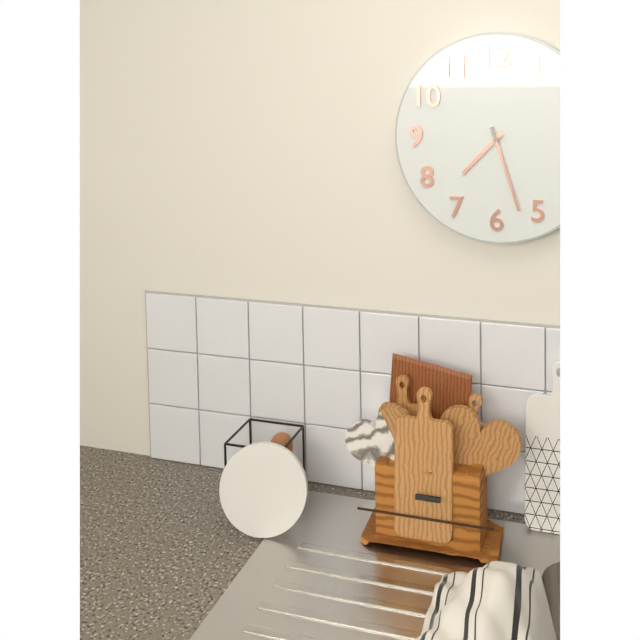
7.27
